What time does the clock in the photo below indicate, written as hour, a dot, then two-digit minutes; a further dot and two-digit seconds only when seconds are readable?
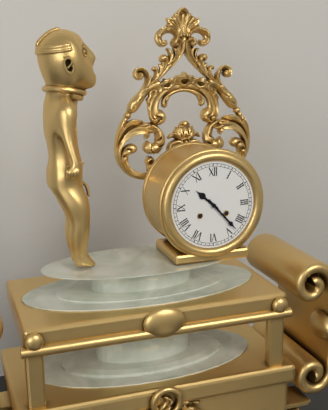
10.23
